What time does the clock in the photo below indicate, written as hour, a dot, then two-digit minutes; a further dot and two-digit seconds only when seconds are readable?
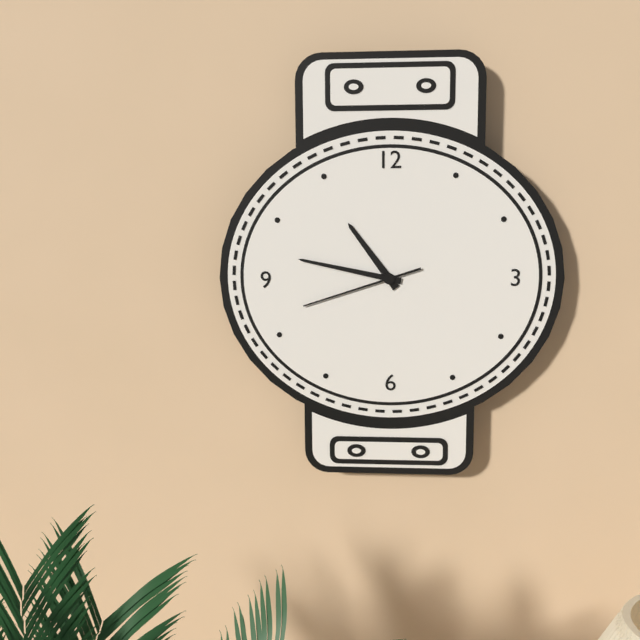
10.47.42
